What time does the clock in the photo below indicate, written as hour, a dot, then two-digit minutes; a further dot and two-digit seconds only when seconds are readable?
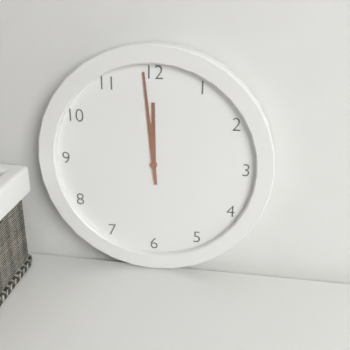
11.59
